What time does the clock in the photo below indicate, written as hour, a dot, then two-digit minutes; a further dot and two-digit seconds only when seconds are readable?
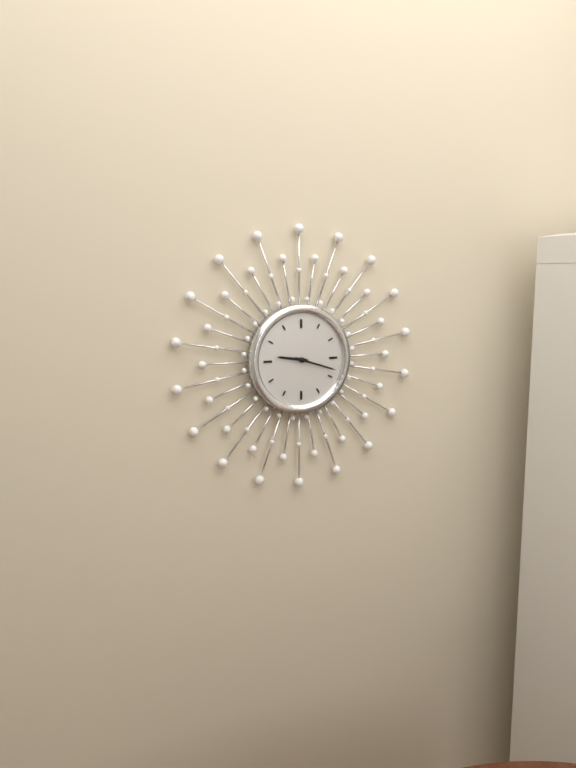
9.18
